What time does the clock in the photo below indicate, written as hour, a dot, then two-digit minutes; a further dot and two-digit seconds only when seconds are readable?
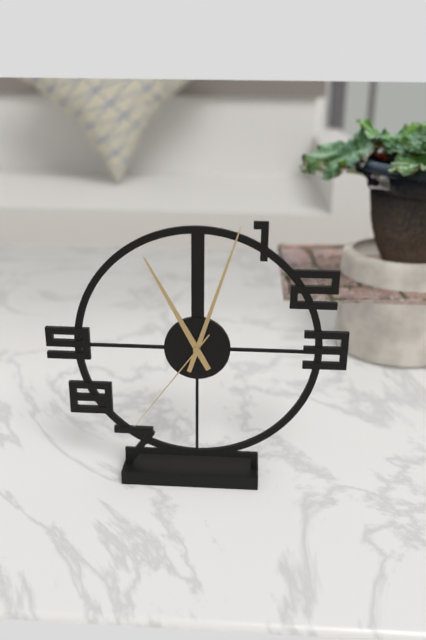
11.03.36
